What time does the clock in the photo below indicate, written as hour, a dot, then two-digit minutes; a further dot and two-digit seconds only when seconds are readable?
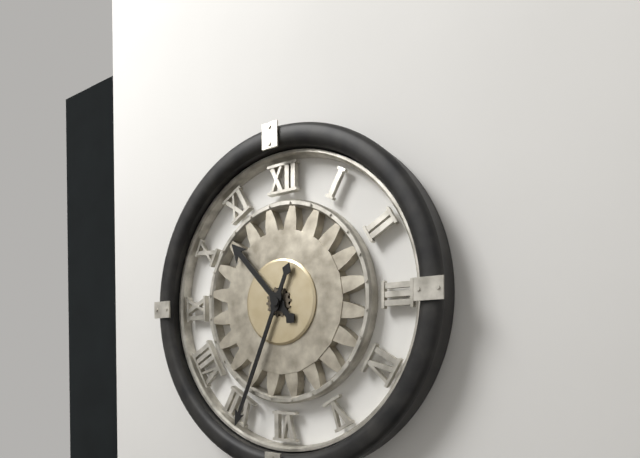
10.34
